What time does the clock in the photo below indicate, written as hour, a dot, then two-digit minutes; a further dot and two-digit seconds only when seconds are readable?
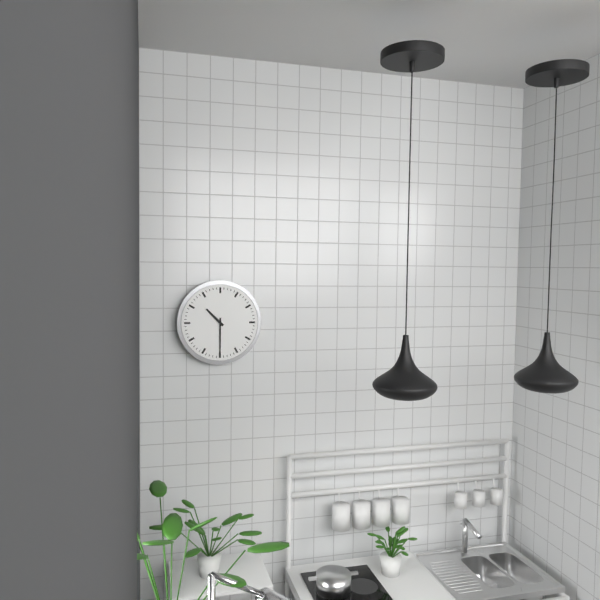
10.30
